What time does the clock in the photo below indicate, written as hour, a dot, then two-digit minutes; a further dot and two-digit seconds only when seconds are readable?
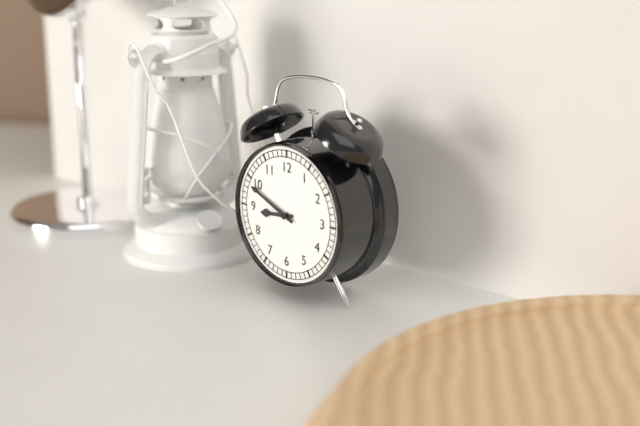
8.49
